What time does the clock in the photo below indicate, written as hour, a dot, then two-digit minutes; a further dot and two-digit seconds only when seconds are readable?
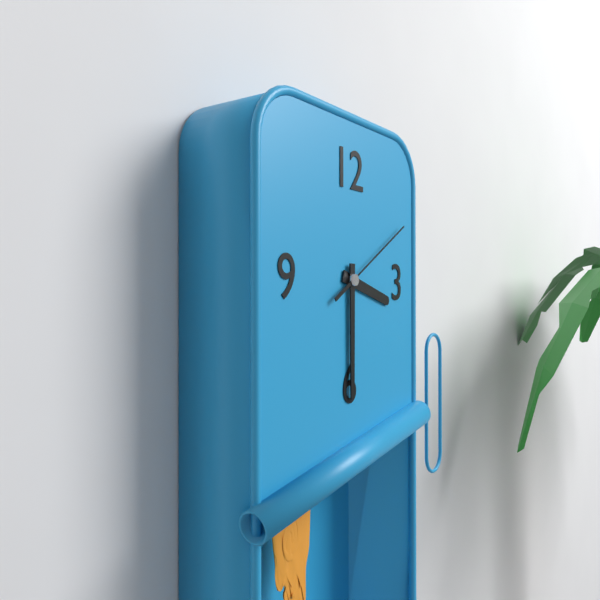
3.30.10
